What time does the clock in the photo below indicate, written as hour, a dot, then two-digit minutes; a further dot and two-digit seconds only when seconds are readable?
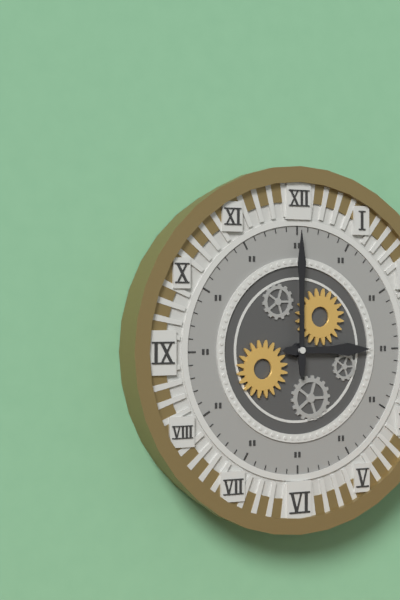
3.00
